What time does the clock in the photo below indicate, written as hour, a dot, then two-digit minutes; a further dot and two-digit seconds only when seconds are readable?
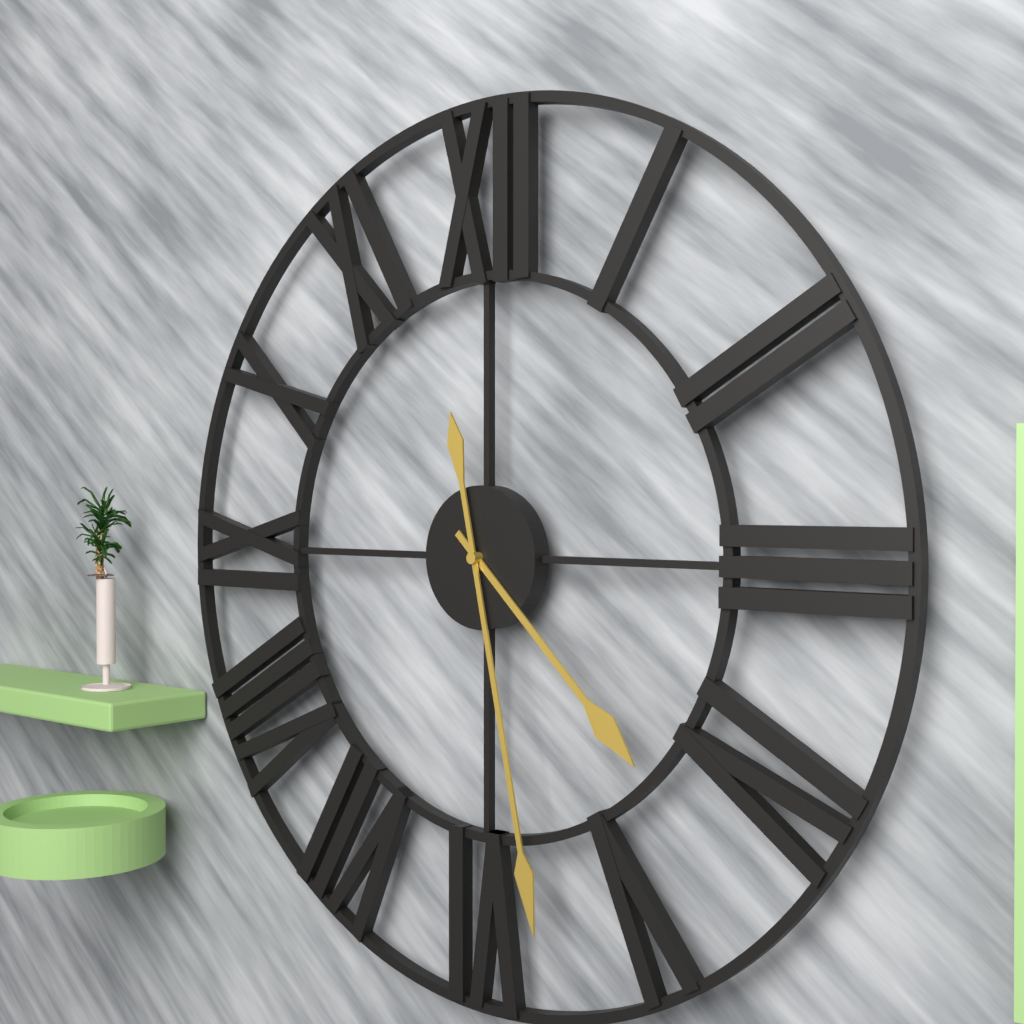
4.28
